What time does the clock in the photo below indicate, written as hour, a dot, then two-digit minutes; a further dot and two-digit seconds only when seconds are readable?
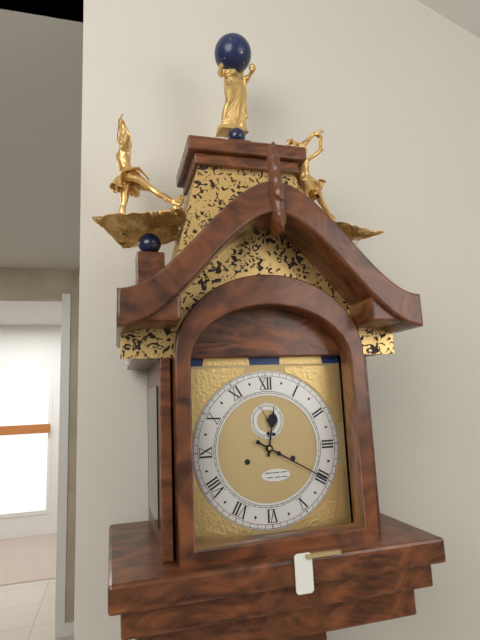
12.20
